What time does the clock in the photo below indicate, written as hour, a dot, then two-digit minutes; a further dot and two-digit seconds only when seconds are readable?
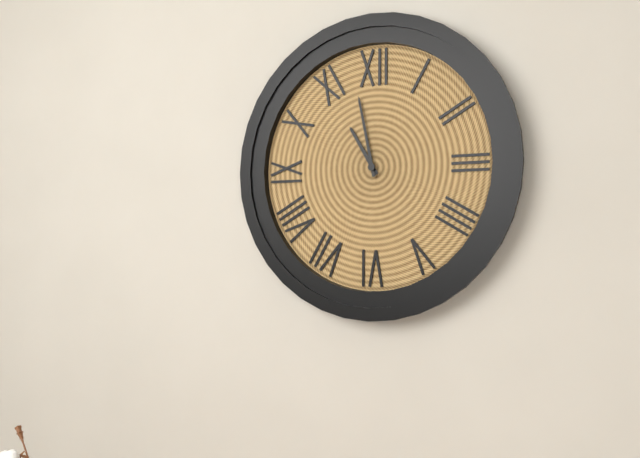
10.58
